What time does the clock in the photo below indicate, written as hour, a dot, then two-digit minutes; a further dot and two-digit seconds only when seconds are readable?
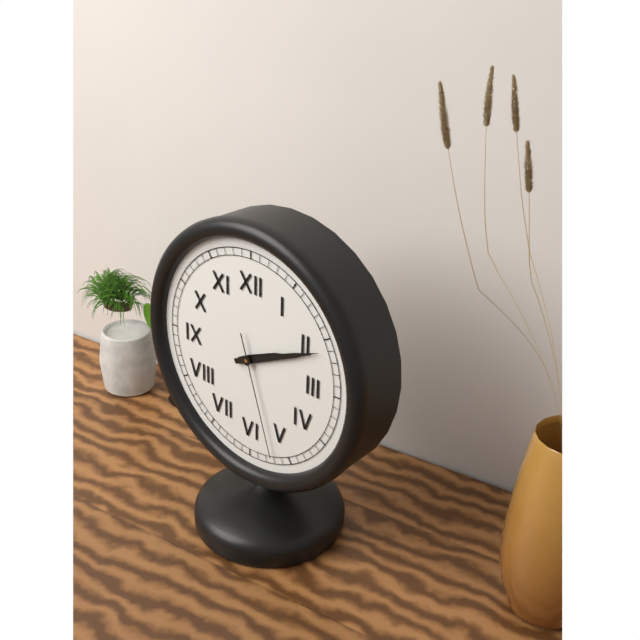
2.11.27
